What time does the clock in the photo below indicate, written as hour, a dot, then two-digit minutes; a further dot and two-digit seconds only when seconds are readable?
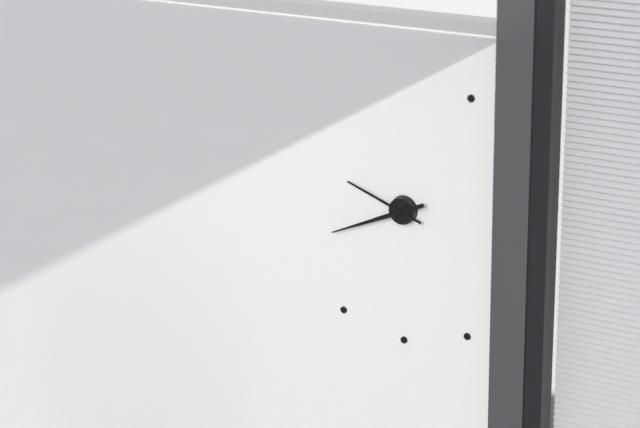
9.41
